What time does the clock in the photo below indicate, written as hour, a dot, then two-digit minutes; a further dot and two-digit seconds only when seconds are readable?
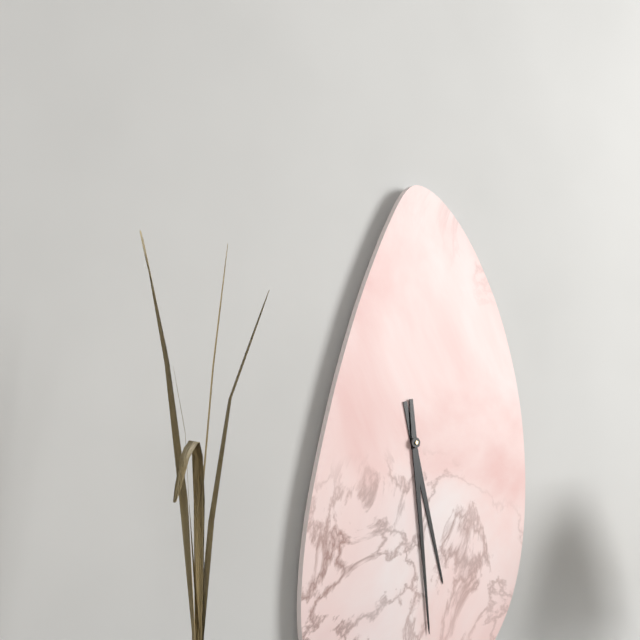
5.29
